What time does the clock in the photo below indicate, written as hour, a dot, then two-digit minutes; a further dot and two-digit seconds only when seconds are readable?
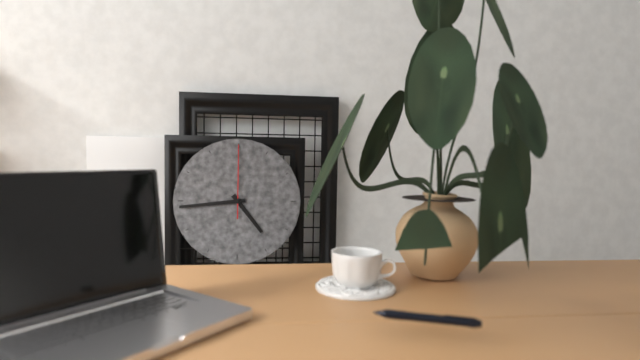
4.44.00
